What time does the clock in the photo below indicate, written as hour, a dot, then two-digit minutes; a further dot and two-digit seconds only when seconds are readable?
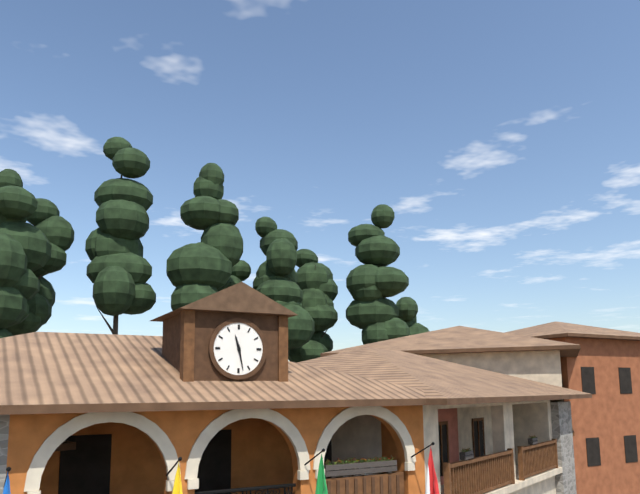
11.28
